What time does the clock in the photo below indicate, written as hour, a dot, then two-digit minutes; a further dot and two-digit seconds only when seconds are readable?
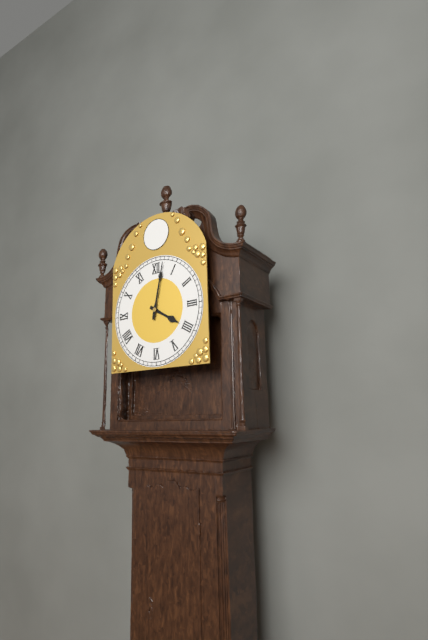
4.02
